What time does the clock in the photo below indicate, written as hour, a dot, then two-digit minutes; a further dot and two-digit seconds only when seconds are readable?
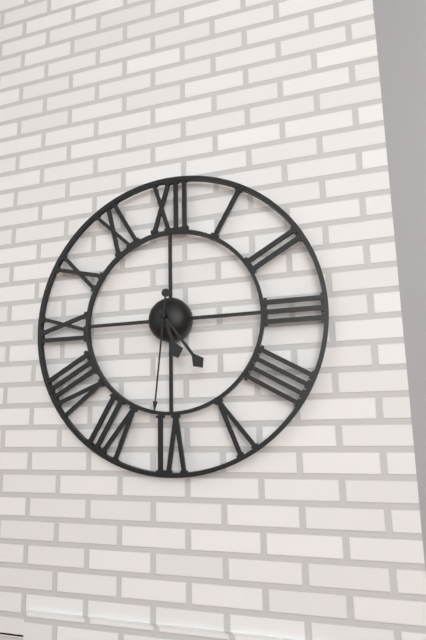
5.24.31
